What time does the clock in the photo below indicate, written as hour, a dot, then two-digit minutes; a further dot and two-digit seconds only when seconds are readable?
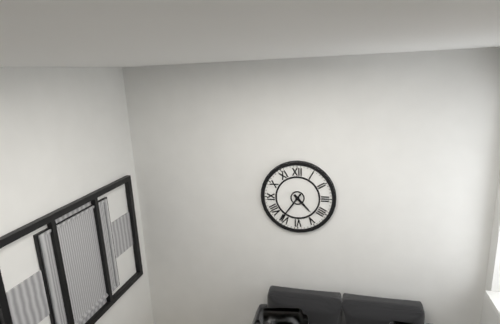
4.36
